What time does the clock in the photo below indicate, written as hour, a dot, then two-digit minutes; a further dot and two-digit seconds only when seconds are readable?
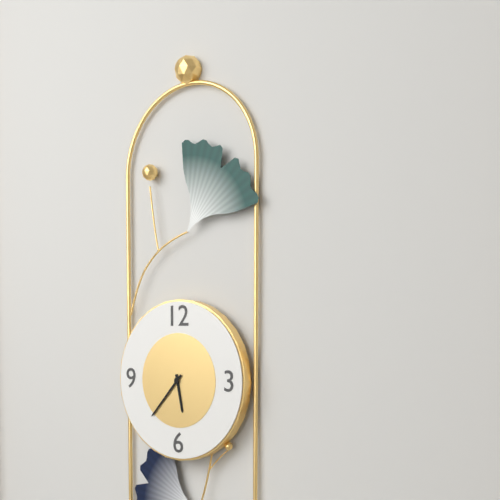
5.37
